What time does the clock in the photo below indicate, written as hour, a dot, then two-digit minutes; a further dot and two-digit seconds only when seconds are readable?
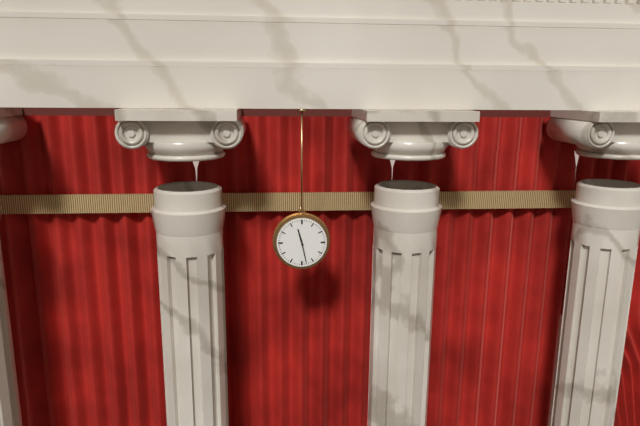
11.28
